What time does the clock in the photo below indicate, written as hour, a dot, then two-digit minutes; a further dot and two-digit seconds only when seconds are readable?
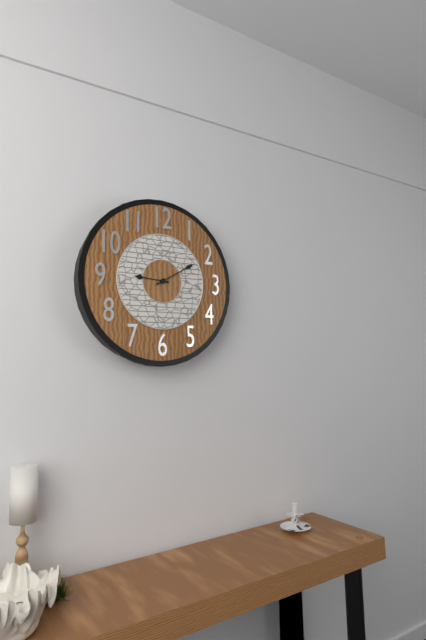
9.10
